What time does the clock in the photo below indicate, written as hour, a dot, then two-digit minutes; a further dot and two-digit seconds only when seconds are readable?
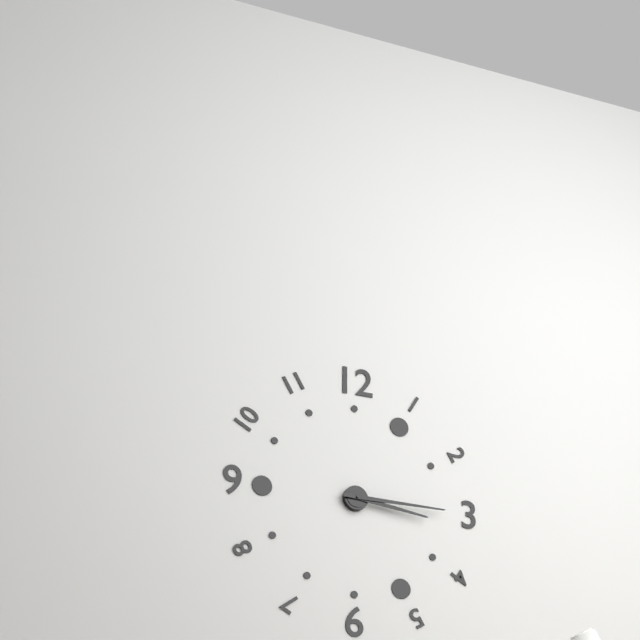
3.15
